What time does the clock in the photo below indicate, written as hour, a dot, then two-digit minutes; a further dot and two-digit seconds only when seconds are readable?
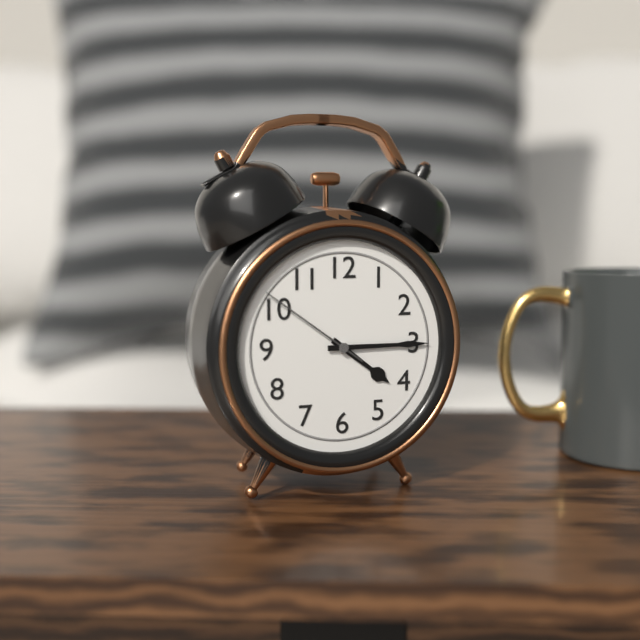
4.15.51
